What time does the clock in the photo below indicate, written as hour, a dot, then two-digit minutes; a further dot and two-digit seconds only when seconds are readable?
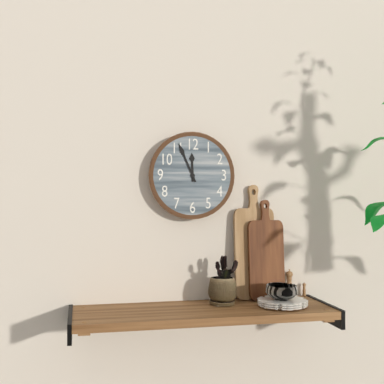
11.56
